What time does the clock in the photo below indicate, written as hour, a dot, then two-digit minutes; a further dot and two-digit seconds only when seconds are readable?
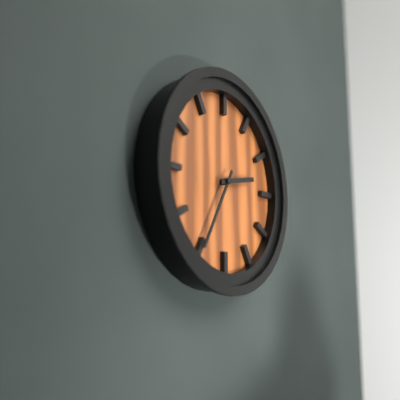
2.35
